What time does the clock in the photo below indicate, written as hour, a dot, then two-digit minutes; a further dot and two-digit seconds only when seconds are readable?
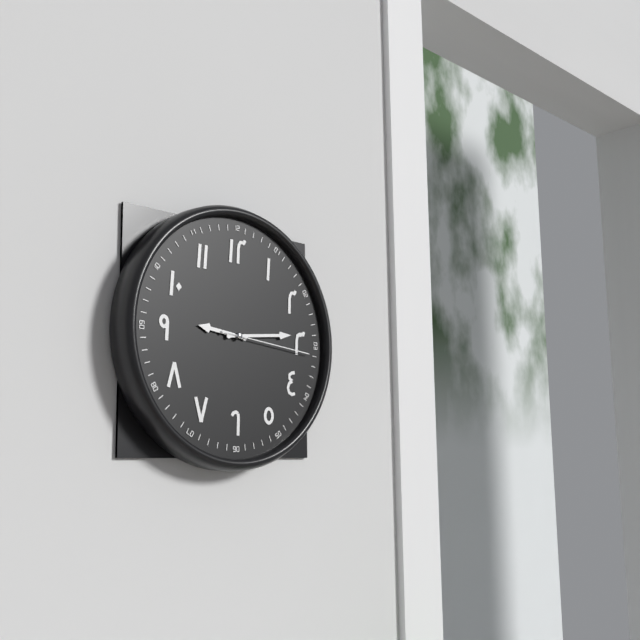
9.14.16
